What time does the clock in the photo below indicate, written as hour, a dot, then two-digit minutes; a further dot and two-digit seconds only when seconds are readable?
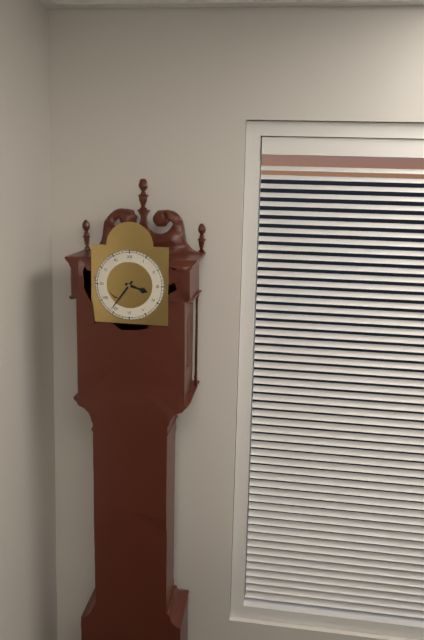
3.36
